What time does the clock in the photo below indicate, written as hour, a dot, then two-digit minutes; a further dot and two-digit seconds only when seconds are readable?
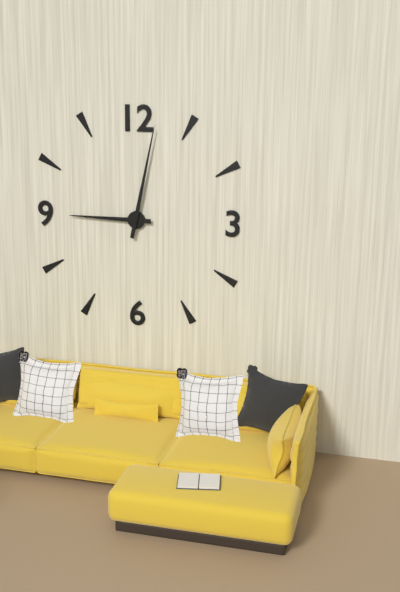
9.02
